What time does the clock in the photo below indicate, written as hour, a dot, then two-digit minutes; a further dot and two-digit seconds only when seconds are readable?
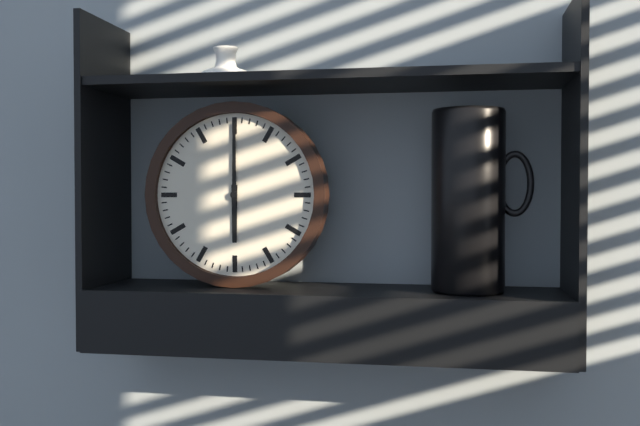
6.00
